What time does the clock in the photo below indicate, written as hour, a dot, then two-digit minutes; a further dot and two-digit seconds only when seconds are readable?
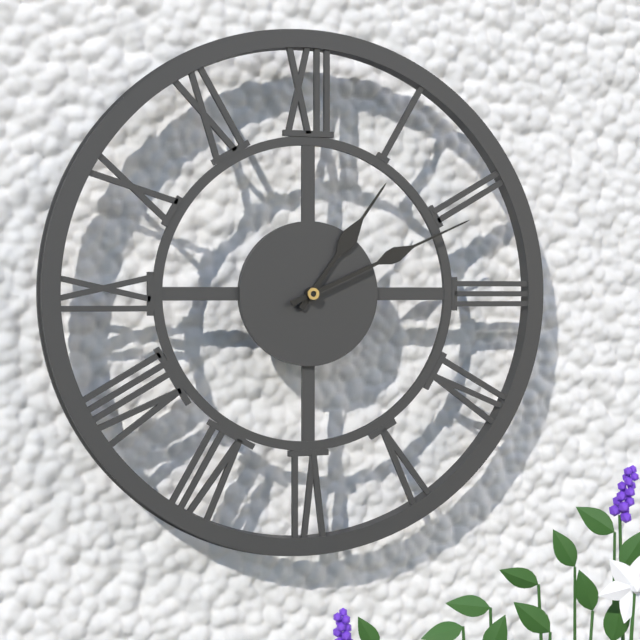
1.11
